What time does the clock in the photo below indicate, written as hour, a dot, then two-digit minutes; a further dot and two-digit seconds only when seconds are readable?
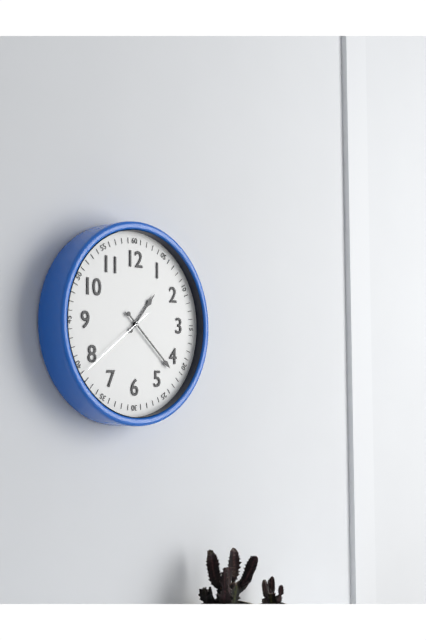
1.22.39
